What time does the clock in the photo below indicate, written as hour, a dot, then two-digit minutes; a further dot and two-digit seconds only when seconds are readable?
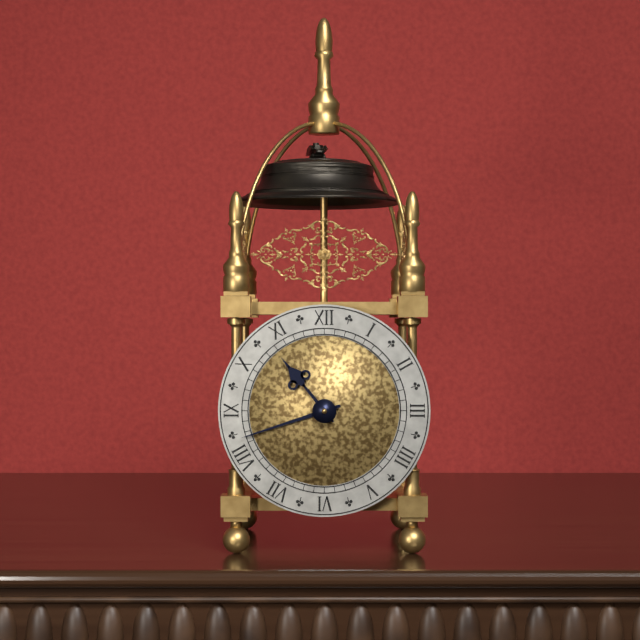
10.42
